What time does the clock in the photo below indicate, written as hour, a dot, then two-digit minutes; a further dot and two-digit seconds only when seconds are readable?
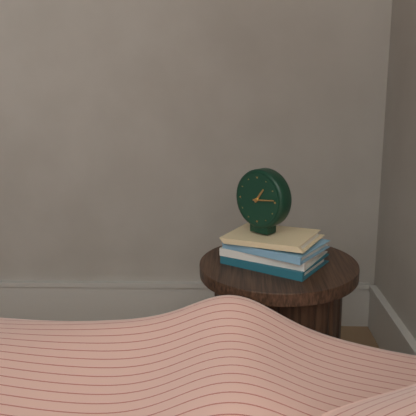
1.14
